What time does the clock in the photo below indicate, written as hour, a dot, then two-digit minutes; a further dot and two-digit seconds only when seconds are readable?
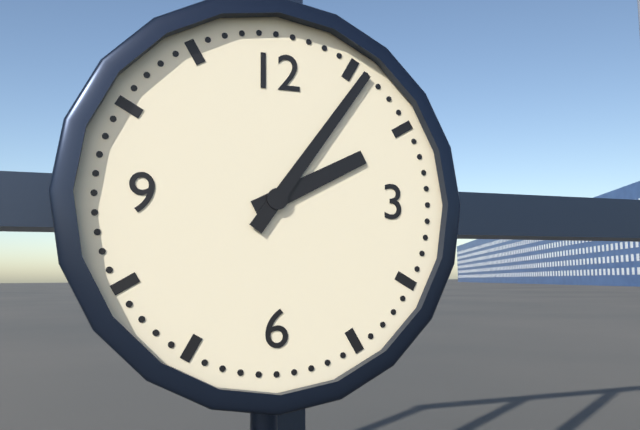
2.06
